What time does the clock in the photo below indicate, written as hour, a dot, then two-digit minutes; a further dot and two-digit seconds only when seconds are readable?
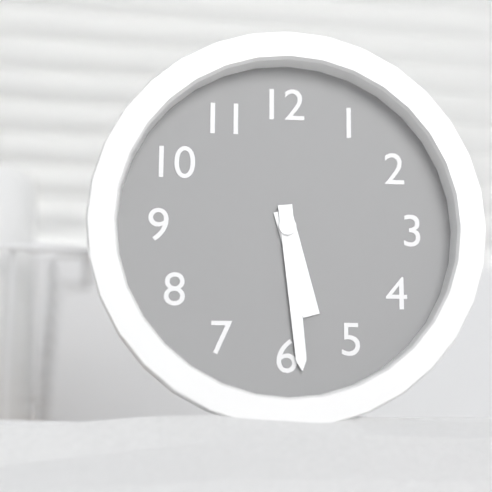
5.29
